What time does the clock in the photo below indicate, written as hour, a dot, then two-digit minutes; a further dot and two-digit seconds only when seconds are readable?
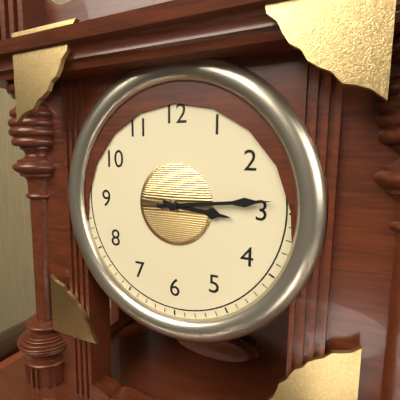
3.14
